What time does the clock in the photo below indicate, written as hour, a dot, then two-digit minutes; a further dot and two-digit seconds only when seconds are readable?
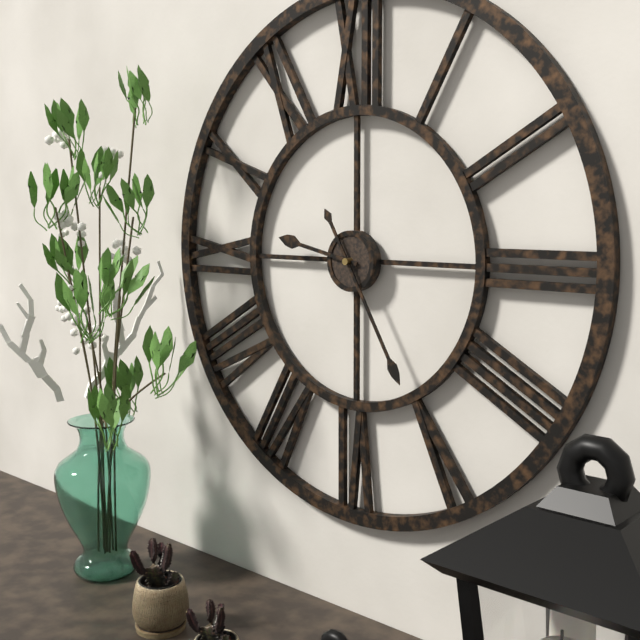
9.25
